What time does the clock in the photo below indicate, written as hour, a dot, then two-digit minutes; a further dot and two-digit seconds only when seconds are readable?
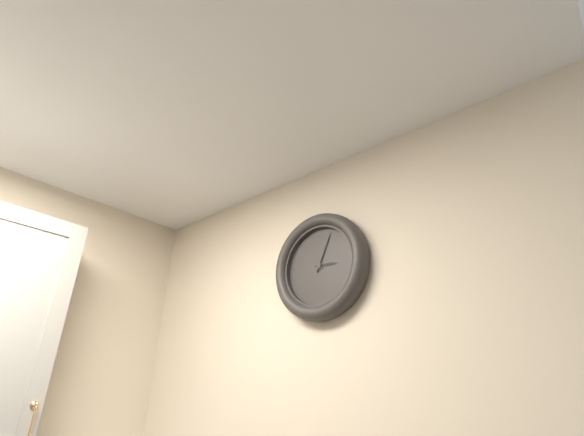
3.04
